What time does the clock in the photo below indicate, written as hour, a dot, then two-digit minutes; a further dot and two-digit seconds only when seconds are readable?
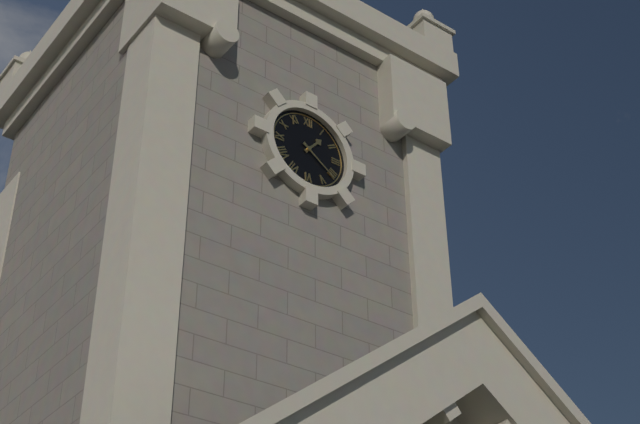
1.21
